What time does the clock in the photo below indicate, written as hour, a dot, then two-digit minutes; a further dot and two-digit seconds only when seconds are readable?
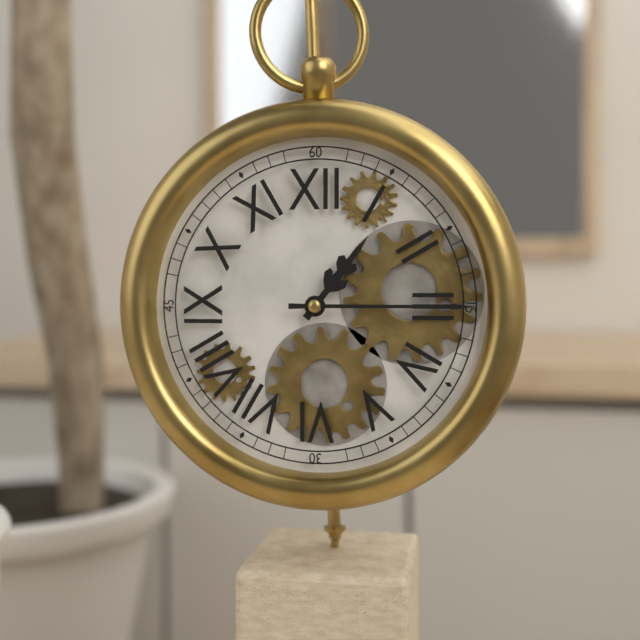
1.15
